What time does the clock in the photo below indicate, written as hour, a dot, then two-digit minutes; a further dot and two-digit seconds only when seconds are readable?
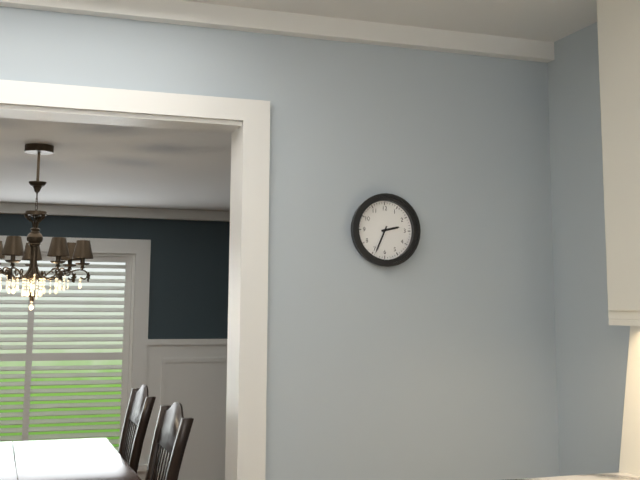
2.34
